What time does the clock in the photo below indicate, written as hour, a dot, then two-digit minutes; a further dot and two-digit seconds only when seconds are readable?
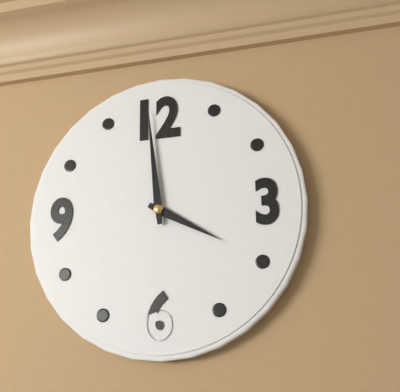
3.59
